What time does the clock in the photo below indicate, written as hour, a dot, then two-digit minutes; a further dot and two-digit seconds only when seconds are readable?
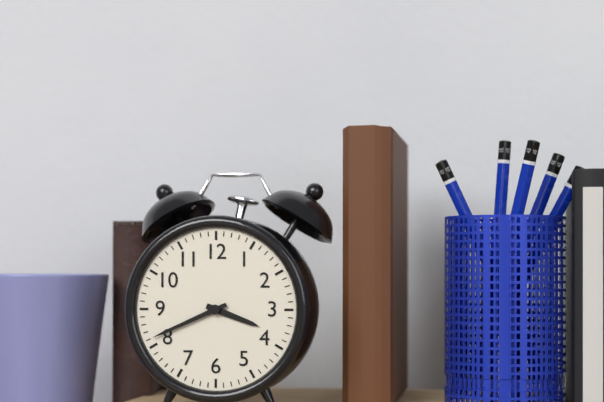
3.41
